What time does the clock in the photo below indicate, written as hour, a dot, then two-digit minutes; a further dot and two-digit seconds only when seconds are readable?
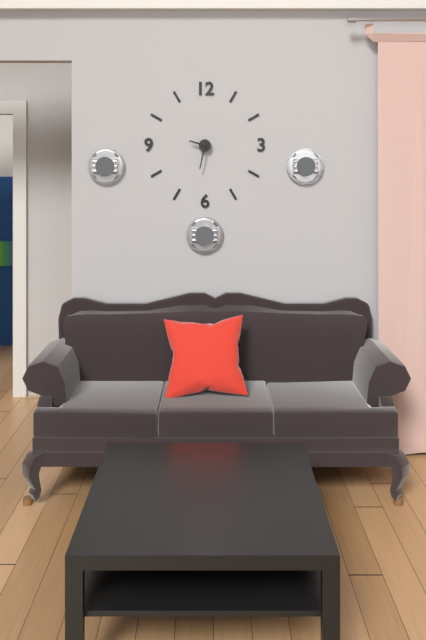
9.32
